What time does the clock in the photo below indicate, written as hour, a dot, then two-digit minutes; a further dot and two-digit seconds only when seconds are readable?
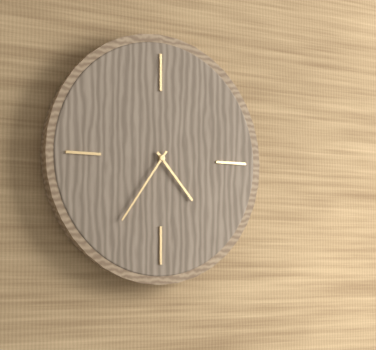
4.36
